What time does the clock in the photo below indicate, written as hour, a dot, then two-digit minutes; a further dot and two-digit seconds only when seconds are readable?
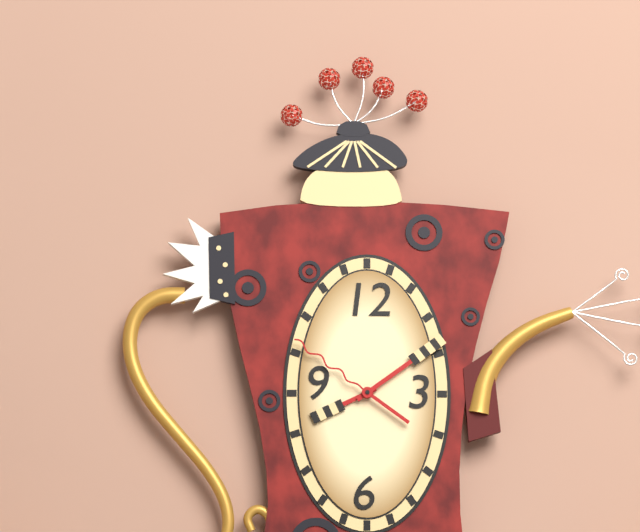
8.09.51
